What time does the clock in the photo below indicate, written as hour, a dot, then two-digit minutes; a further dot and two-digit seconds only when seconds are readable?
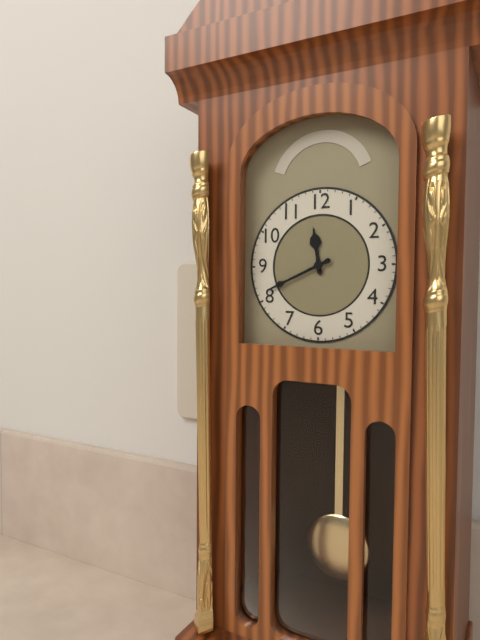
11.41
